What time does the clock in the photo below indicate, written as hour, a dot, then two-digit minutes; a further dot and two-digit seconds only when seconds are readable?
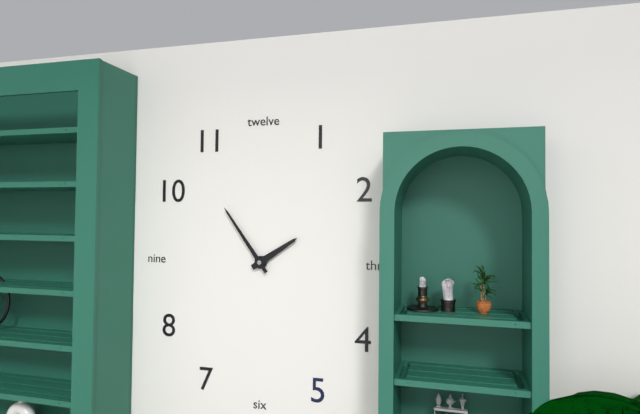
1.54
